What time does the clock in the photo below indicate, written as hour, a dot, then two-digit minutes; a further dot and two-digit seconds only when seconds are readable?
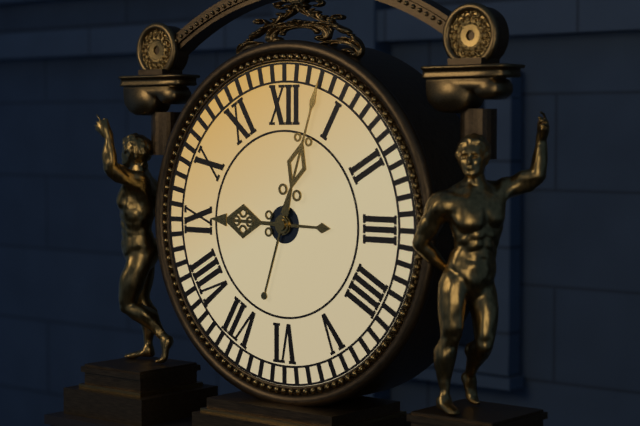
9.03
